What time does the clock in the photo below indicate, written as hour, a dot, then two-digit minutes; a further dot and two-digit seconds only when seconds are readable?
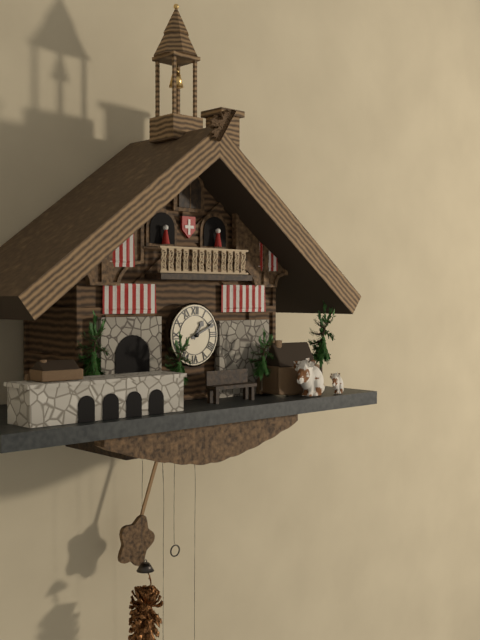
1.11
